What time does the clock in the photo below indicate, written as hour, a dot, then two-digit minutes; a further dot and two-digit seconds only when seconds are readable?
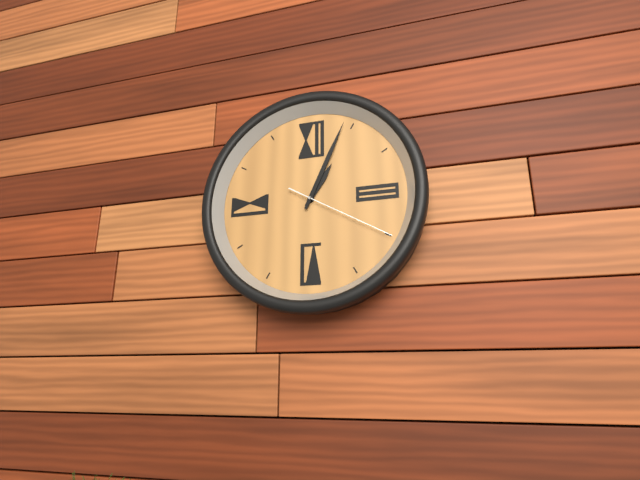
1.04.20
